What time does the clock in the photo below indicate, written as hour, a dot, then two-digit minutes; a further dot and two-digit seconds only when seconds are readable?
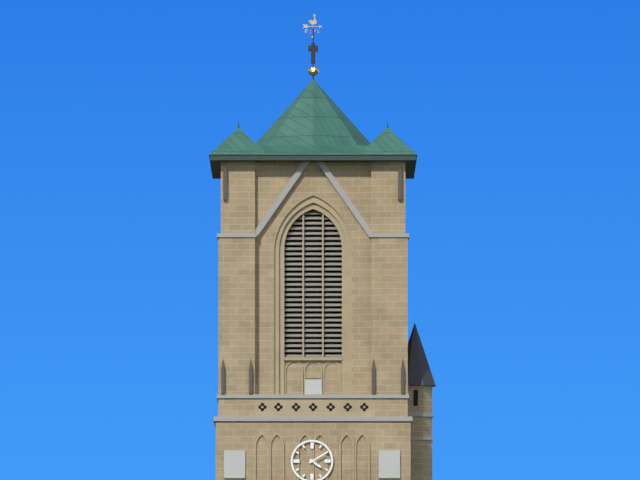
4.10
